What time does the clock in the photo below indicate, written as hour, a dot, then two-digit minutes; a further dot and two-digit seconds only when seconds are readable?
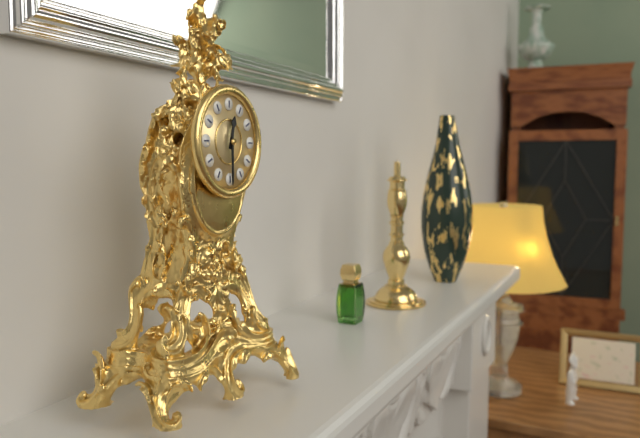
12.30
